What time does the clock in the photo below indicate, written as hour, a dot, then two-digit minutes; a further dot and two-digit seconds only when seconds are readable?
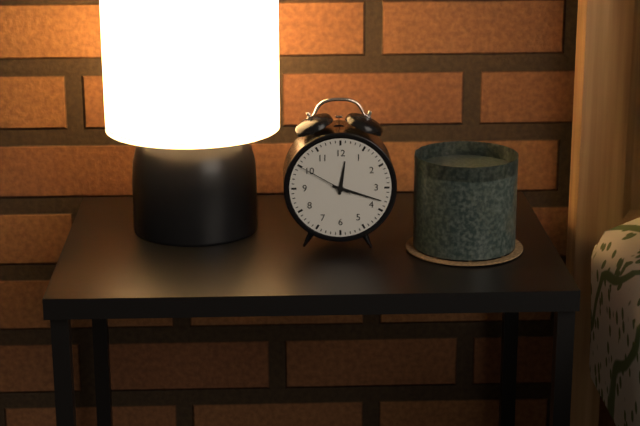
12.18.50
